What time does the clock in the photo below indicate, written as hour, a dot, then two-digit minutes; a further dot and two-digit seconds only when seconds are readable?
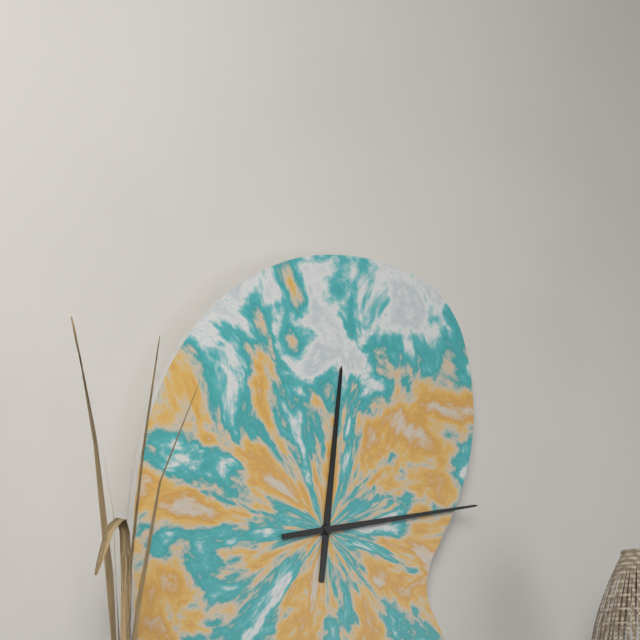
12.13
